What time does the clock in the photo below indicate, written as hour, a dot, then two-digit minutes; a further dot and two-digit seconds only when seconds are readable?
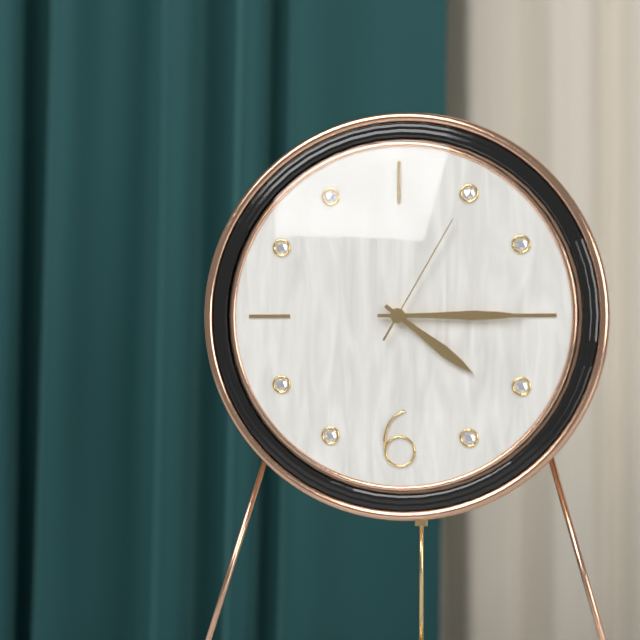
4.15.05
